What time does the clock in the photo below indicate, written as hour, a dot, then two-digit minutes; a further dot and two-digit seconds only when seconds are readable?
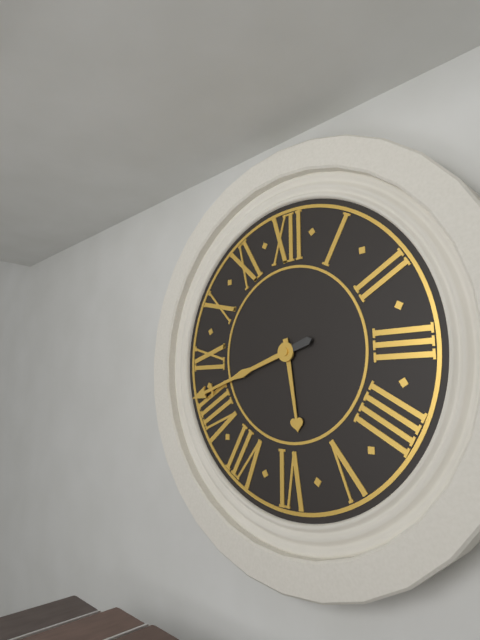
5.42
